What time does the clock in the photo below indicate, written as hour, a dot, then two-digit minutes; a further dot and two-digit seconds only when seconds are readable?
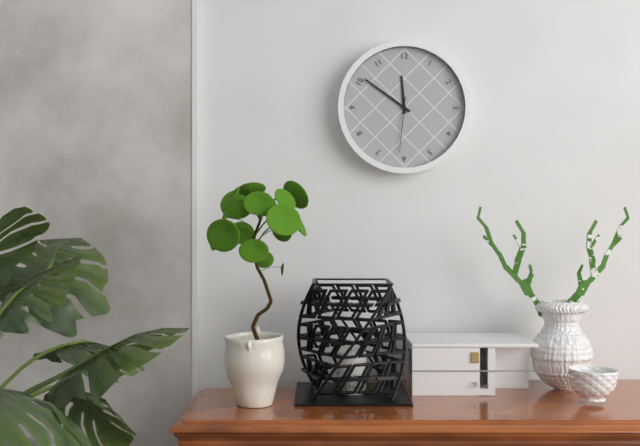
11.51.31
